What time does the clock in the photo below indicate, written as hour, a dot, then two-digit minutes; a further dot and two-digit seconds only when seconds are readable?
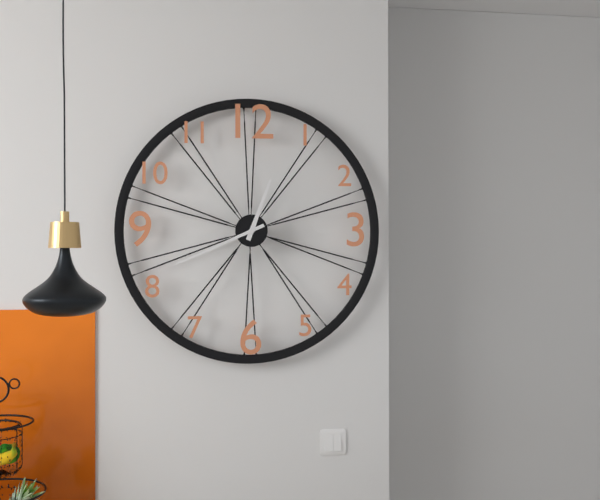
12.41
